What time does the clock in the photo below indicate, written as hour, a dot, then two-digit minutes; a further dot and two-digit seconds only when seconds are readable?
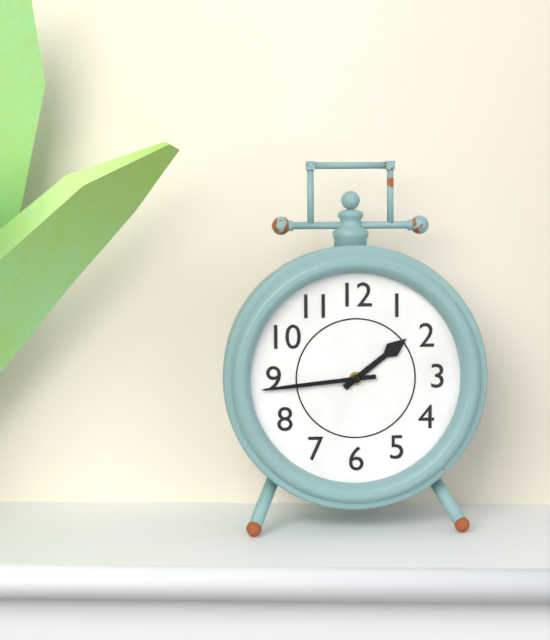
1.44
